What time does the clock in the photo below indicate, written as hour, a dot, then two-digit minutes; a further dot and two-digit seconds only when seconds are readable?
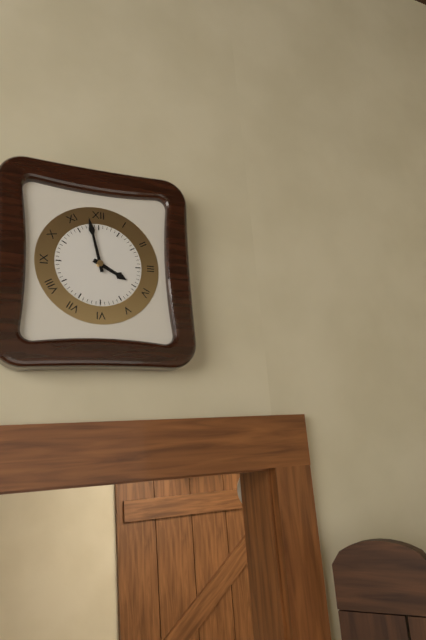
3.58
